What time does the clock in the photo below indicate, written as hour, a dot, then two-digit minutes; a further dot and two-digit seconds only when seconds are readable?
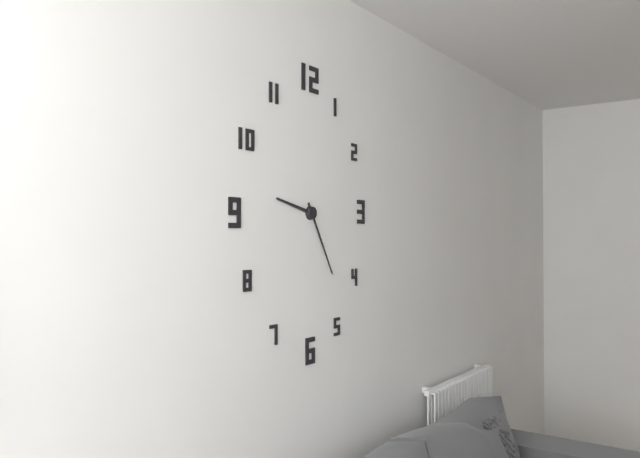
9.25
